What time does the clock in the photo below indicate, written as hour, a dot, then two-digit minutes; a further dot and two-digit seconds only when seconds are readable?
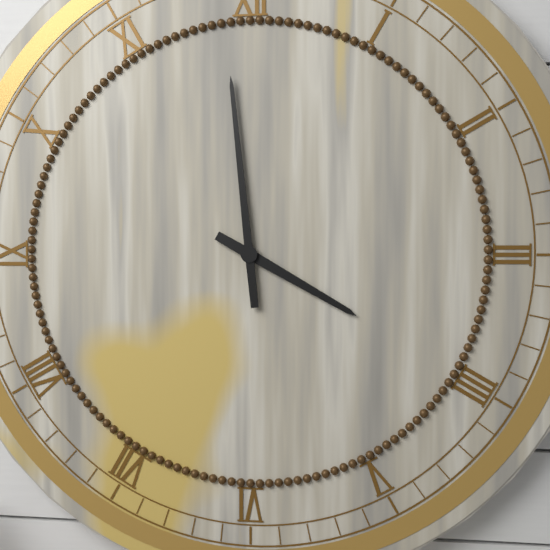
3.59
